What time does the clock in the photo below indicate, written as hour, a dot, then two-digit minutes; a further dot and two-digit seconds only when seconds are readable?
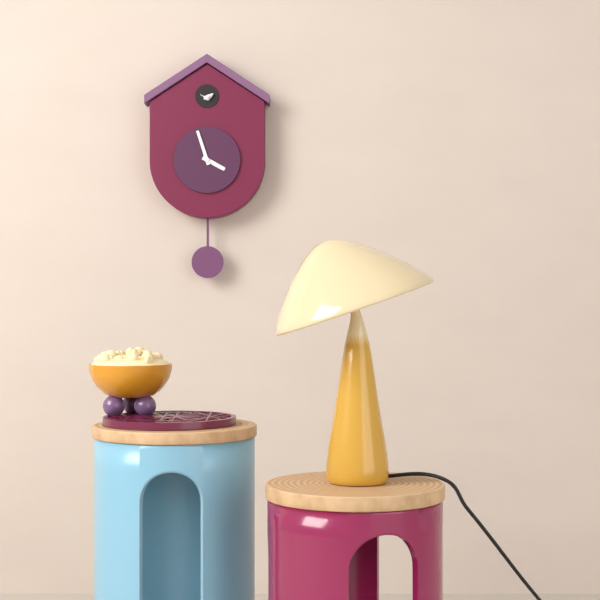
3.57
